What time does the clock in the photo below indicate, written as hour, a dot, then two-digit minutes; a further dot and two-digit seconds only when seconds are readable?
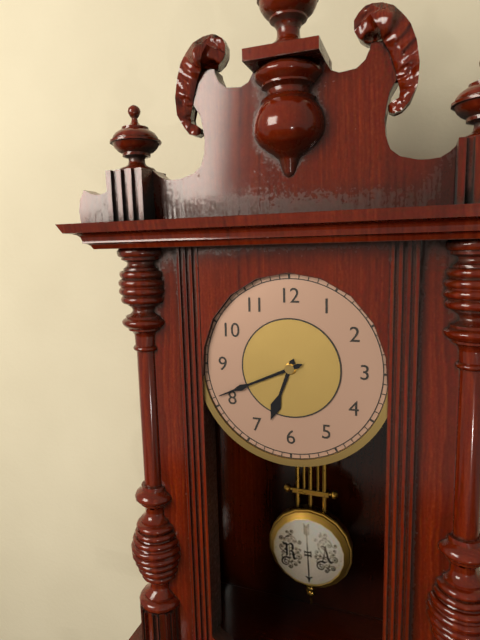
6.41
